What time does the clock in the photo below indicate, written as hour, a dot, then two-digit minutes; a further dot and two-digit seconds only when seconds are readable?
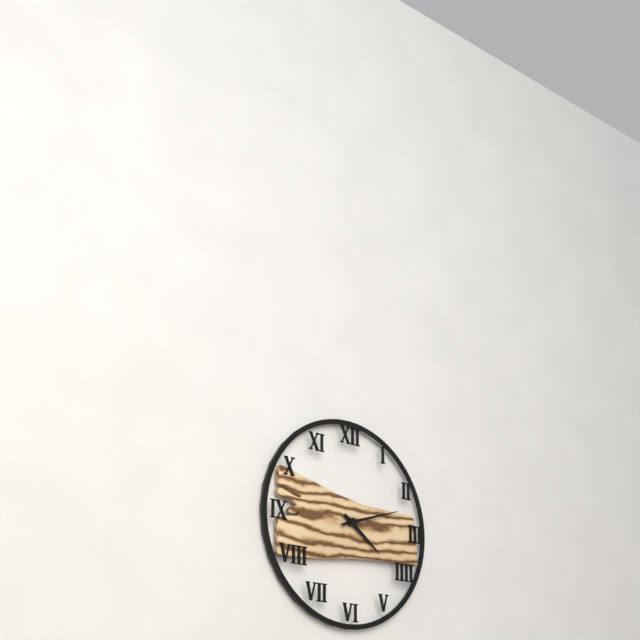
4.12
